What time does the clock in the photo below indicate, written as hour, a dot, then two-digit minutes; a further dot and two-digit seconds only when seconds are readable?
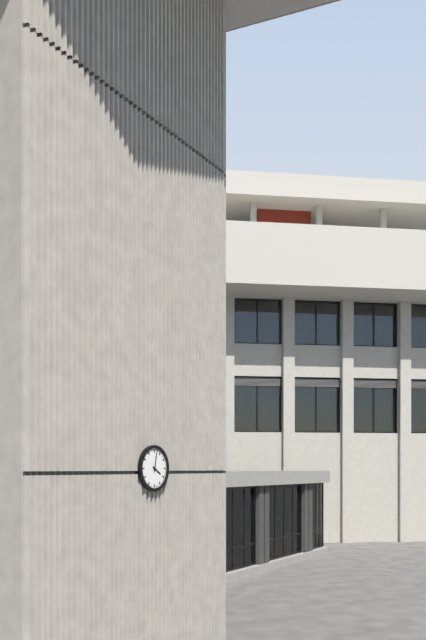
4.02
